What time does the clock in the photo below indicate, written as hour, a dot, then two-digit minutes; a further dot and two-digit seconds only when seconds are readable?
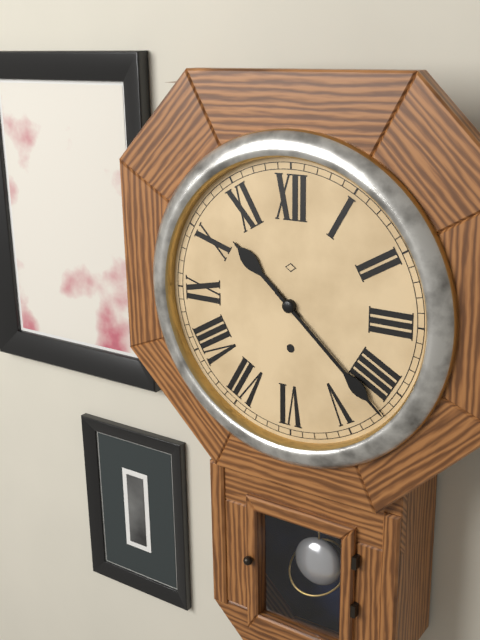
10.22
